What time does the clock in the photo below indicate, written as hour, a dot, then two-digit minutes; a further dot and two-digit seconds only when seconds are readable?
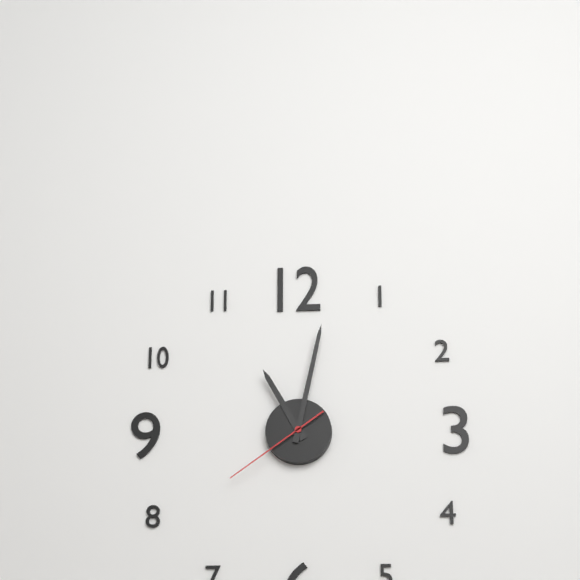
11.02.39
